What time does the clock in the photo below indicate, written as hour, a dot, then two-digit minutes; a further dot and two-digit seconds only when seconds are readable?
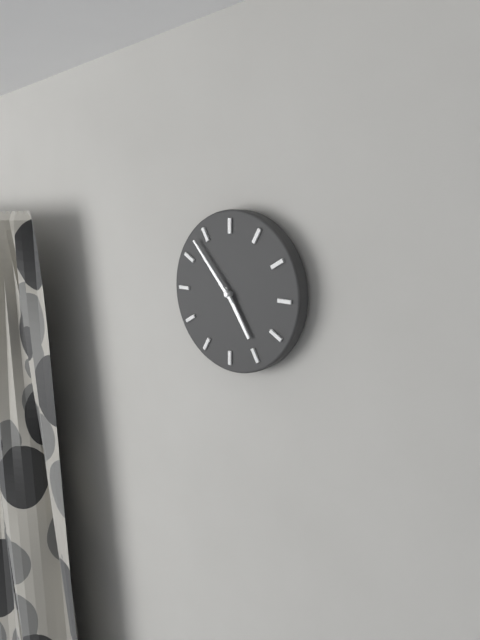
4.53
